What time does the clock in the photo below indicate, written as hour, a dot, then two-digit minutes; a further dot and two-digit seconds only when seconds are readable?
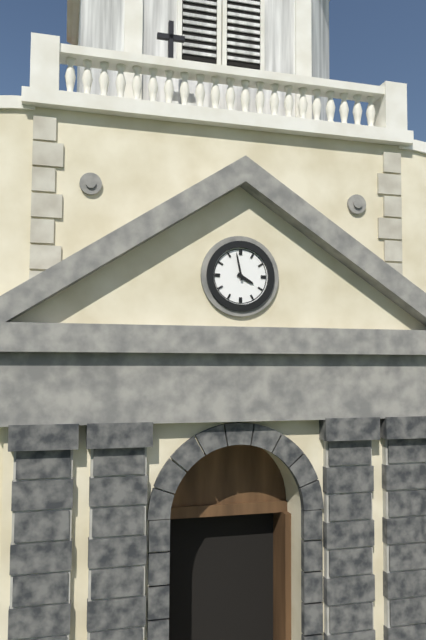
3.58
